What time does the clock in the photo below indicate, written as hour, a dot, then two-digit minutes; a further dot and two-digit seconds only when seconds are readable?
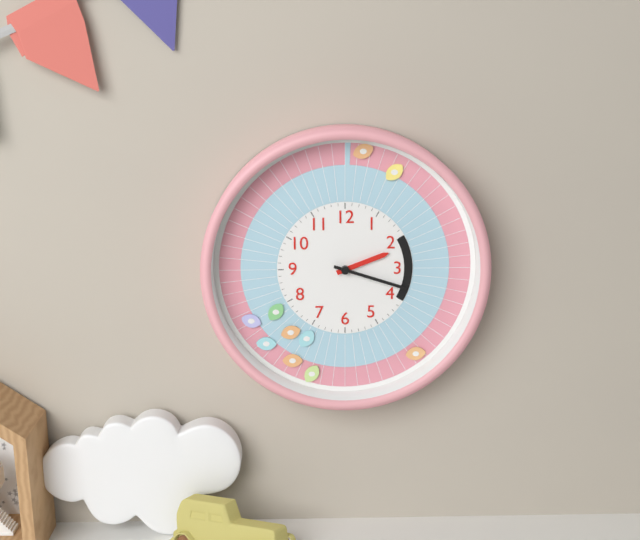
2.18
